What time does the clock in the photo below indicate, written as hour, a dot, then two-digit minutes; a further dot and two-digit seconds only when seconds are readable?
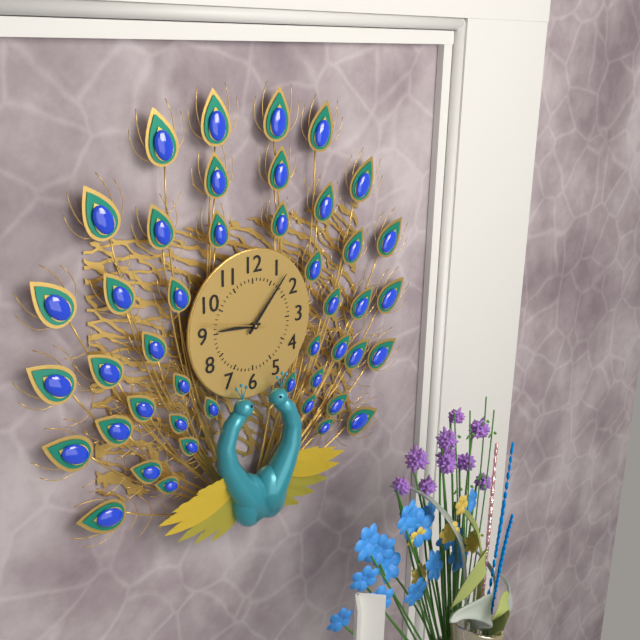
9.07.47
